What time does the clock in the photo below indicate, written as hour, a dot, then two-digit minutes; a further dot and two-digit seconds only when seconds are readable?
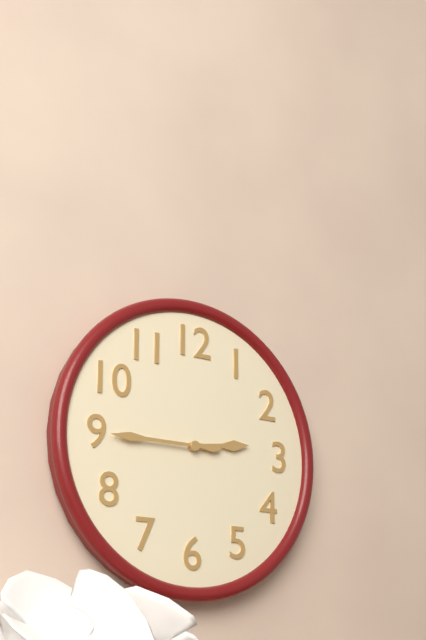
2.45
